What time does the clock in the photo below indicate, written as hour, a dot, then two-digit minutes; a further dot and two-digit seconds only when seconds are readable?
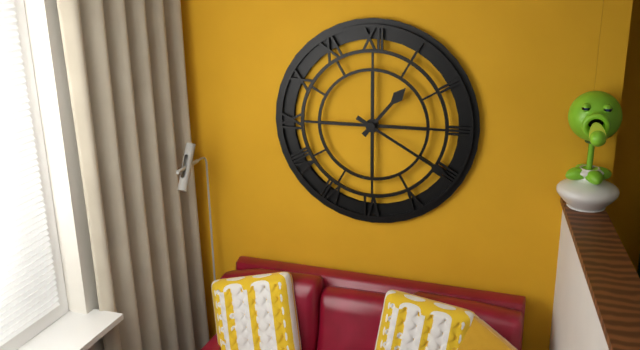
1.20
